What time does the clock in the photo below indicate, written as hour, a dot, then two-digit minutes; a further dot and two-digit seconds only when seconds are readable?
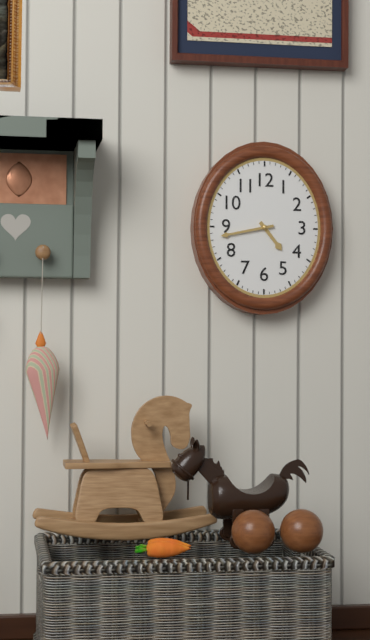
4.43
